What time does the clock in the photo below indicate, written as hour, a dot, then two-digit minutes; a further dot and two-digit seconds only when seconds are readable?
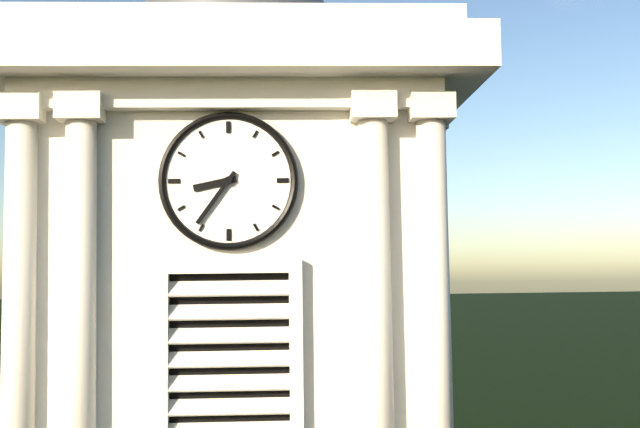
8.36
